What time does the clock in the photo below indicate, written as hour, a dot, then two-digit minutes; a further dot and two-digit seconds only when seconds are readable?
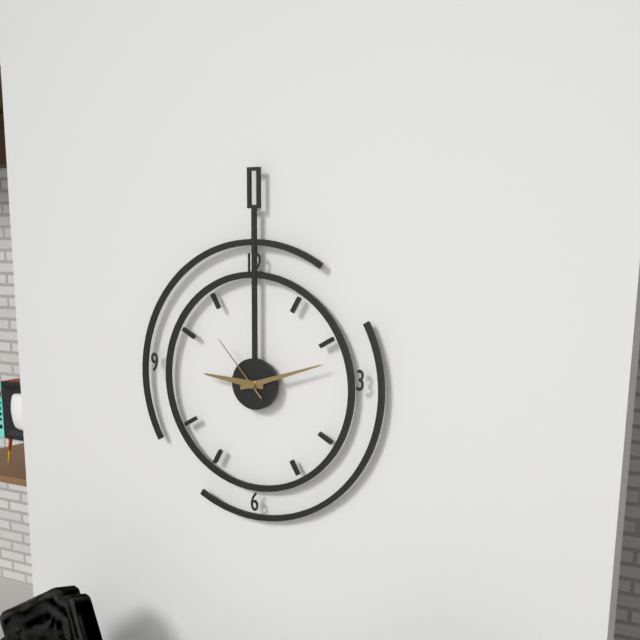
9.12.53
